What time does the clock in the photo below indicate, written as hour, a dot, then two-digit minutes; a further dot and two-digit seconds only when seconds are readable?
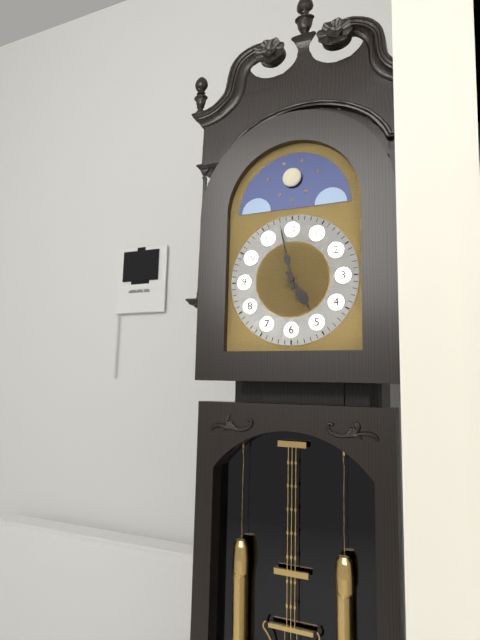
4.58
